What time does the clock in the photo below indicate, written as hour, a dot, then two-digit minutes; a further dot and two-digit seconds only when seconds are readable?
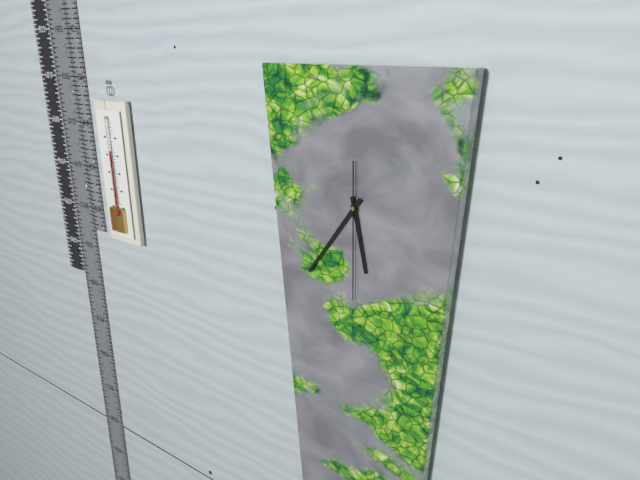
5.36.30
